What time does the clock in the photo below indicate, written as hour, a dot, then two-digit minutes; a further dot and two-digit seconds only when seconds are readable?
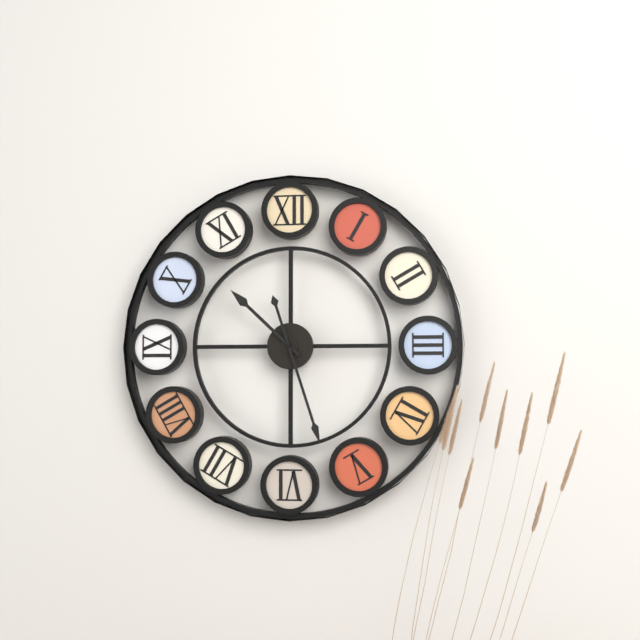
10.27
